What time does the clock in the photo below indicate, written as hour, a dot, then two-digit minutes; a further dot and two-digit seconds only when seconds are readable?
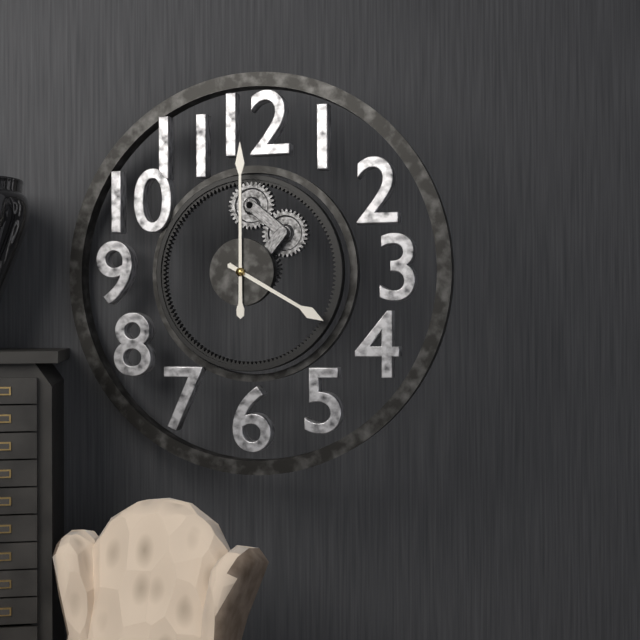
4.00
